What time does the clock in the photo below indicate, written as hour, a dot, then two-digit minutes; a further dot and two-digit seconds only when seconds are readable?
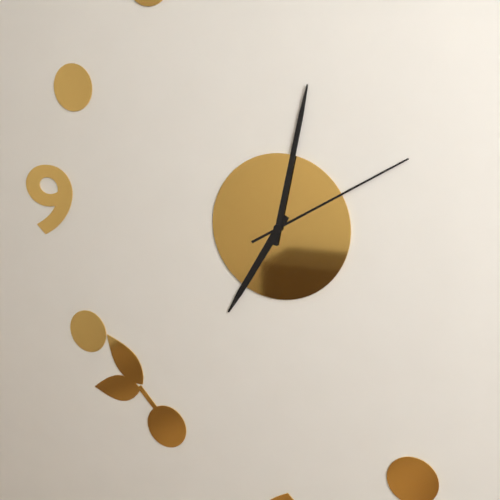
7.02.10
